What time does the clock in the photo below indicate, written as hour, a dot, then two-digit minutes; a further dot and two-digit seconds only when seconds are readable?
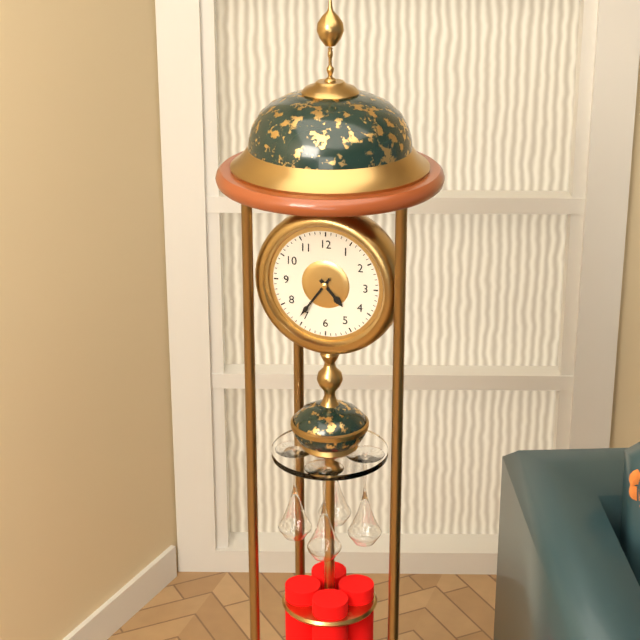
4.36
